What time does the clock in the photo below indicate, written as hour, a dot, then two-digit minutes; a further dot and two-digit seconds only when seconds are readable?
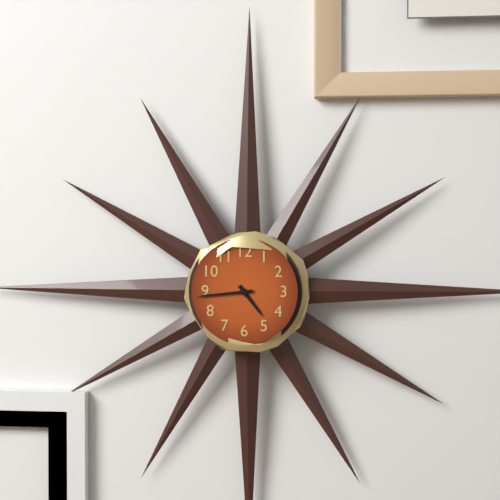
4.44
